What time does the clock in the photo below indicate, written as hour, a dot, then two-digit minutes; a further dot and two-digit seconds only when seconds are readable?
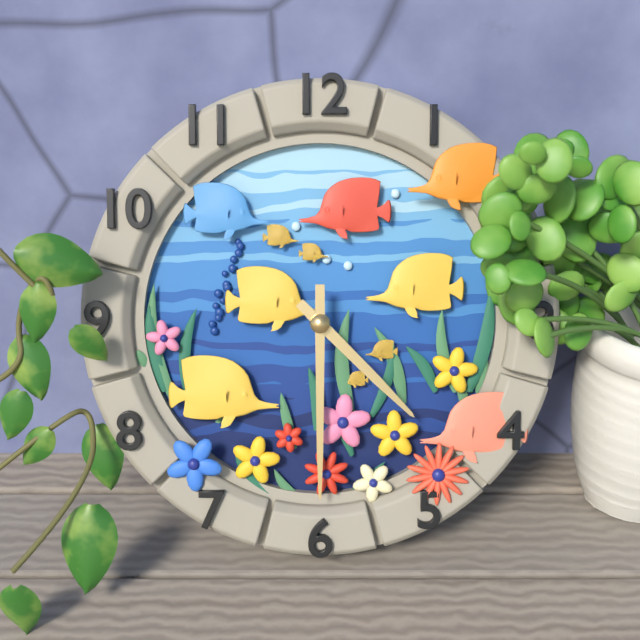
4.30
